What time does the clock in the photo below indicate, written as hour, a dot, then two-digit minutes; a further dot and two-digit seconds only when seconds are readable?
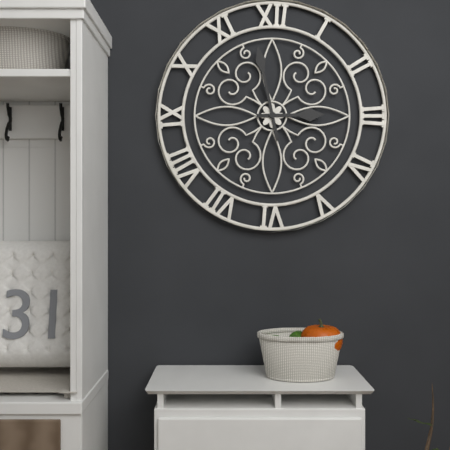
2.58
